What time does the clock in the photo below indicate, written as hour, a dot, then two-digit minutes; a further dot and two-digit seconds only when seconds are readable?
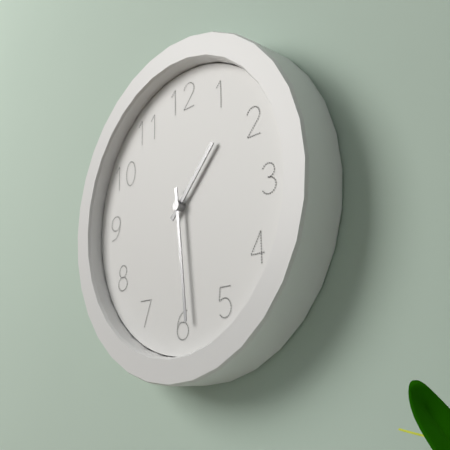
1.29
